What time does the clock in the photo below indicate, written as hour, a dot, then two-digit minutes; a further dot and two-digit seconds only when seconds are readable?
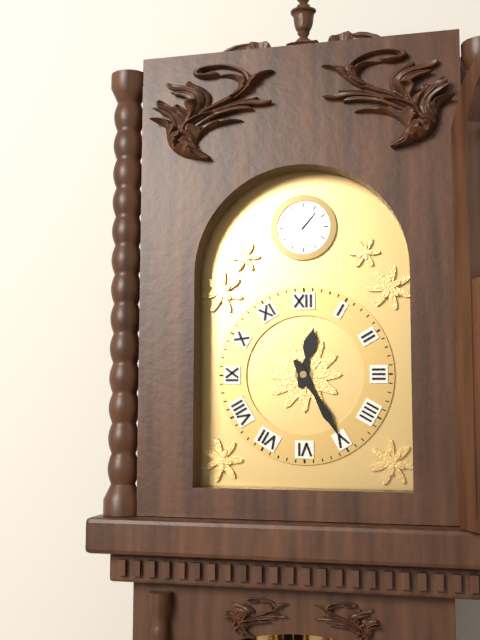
12.25
